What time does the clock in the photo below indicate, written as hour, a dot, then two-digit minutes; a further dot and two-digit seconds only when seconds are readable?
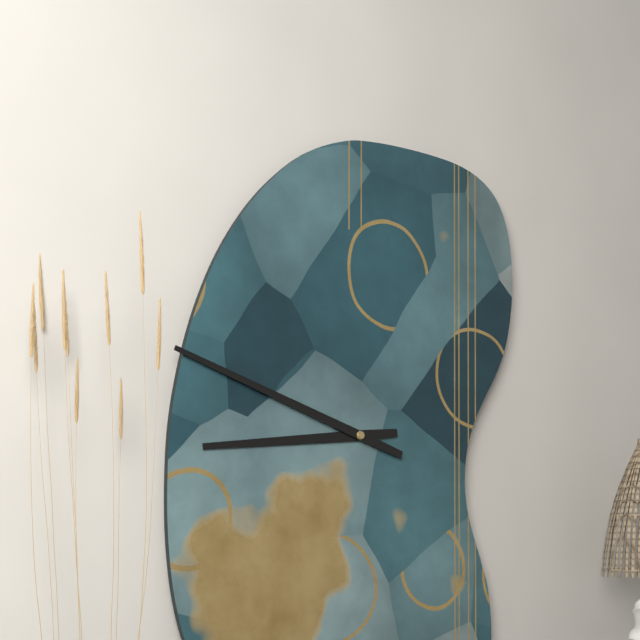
8.48
